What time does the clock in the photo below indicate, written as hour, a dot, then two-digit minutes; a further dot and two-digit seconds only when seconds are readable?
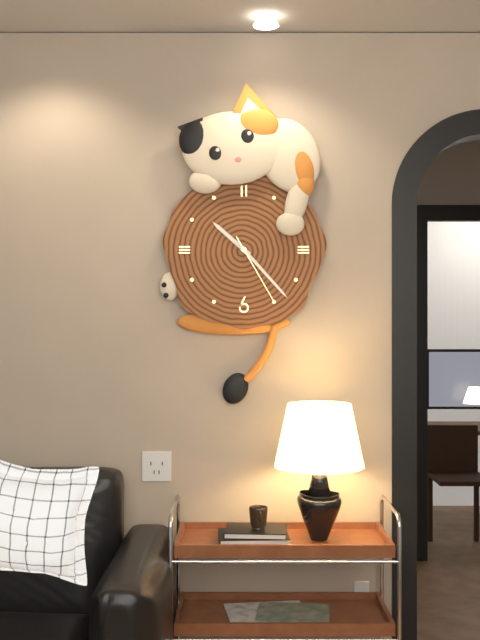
10.23.25
